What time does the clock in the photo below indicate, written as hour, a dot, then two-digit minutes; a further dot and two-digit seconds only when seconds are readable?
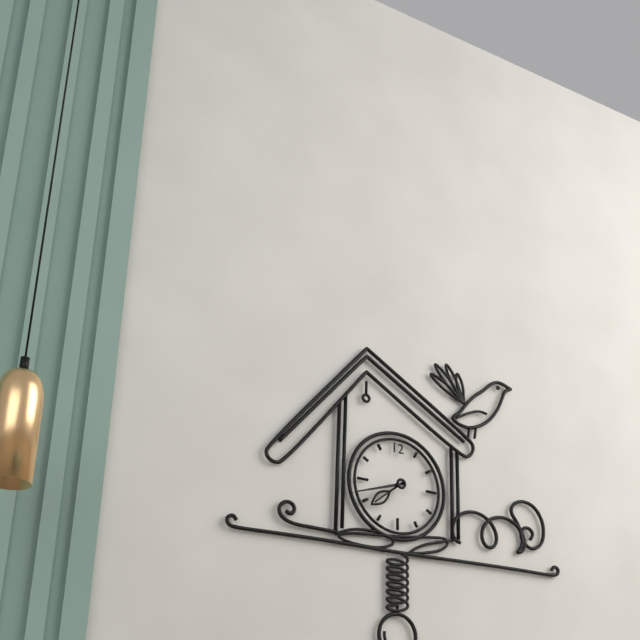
7.42
